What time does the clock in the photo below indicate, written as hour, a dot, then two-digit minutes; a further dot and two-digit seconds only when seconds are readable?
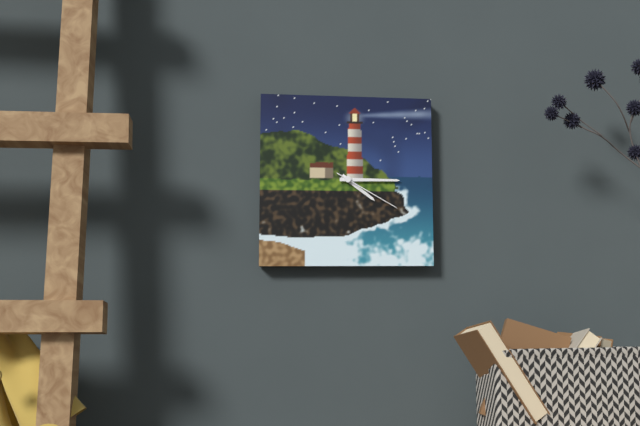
4.15.20
